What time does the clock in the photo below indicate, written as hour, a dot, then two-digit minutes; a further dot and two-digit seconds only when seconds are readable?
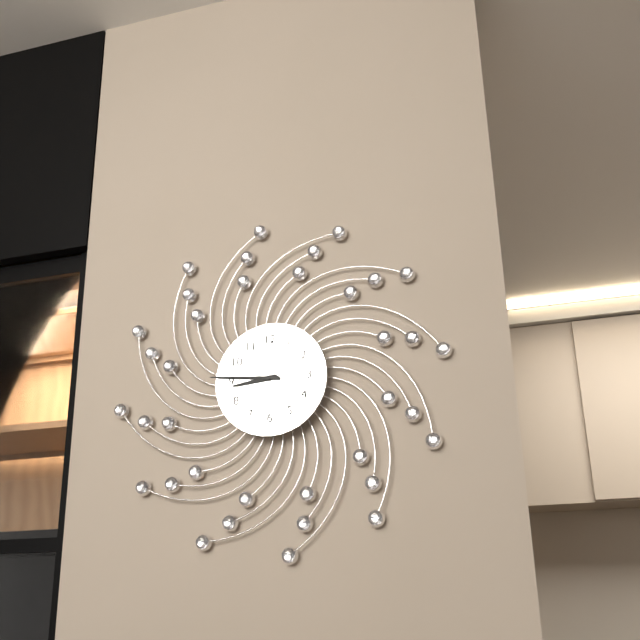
8.46
